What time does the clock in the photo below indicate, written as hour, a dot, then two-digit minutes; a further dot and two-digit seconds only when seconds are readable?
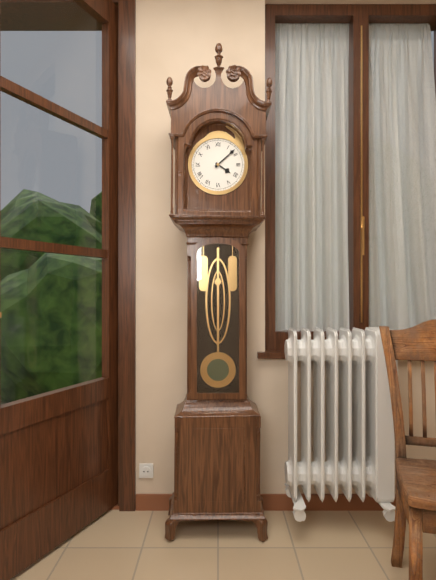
4.08
